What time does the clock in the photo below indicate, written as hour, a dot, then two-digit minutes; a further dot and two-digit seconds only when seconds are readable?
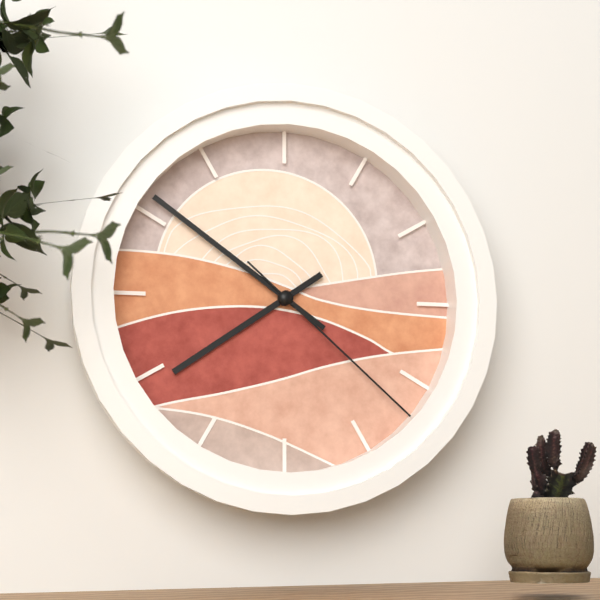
7.51.22
